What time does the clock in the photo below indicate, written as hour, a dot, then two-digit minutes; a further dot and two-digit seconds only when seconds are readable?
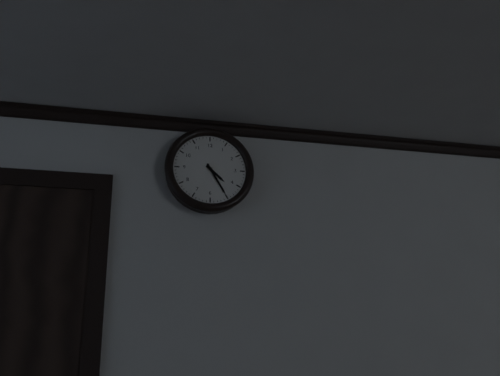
4.25
